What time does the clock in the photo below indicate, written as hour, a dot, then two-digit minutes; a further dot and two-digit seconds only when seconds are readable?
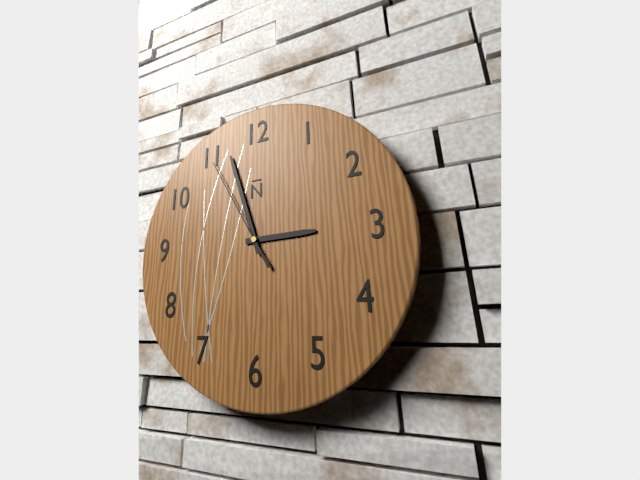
2.57.55
